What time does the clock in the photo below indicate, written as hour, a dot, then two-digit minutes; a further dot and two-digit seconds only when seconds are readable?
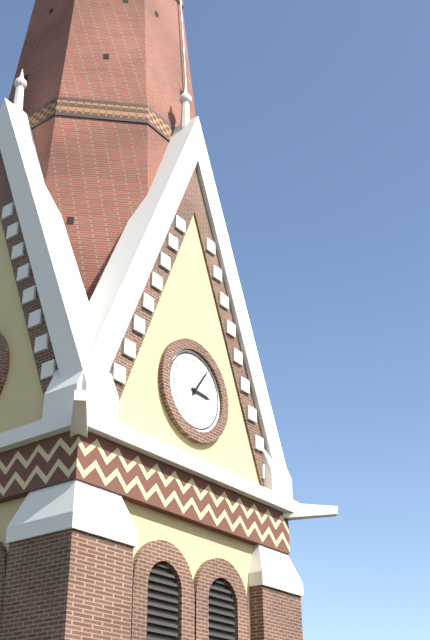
3.06
